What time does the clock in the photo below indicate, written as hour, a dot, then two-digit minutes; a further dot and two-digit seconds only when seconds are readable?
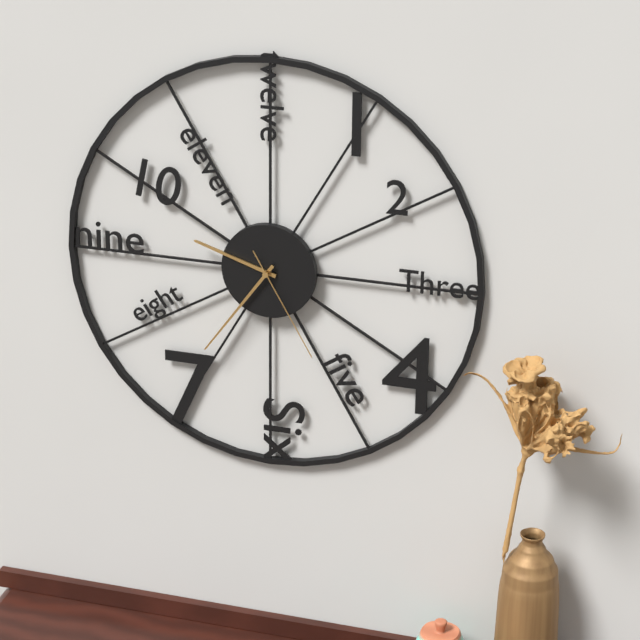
9.36.25
